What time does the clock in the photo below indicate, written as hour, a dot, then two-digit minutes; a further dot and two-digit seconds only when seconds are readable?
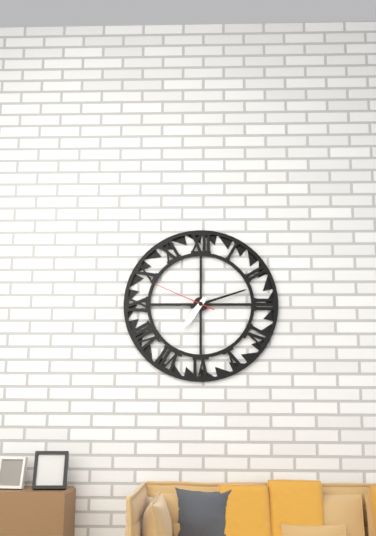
7.12.49
